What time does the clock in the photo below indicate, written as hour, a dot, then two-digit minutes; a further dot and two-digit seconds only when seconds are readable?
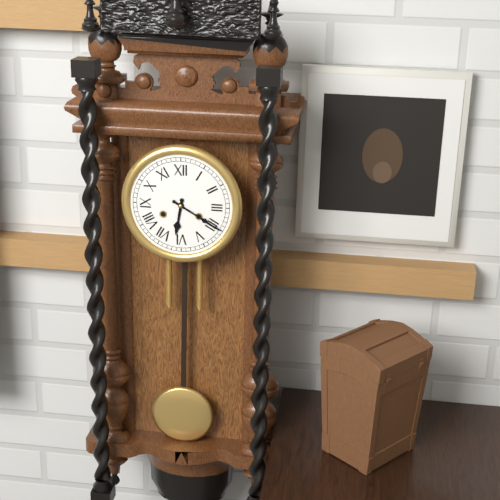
6.20
